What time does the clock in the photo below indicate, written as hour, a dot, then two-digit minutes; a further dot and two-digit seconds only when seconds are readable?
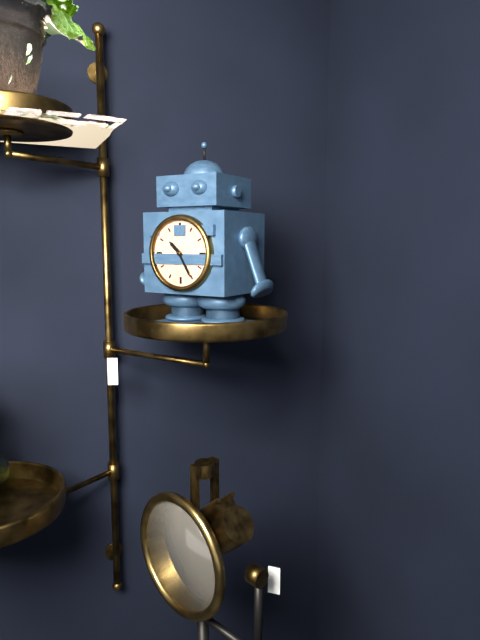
10.25
